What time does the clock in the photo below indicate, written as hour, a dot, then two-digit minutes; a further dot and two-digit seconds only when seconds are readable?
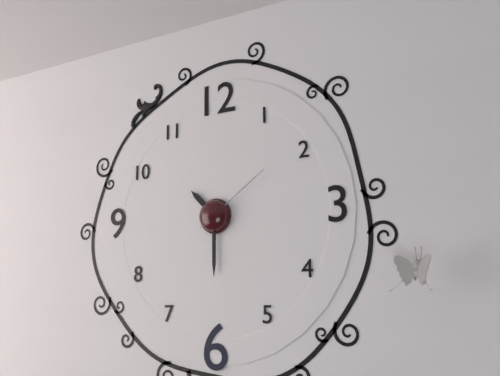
10.30.09
